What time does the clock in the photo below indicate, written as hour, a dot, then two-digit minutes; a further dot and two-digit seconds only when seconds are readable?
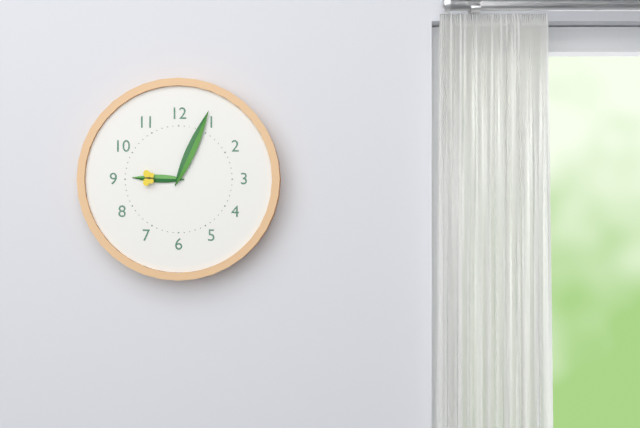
9.04
